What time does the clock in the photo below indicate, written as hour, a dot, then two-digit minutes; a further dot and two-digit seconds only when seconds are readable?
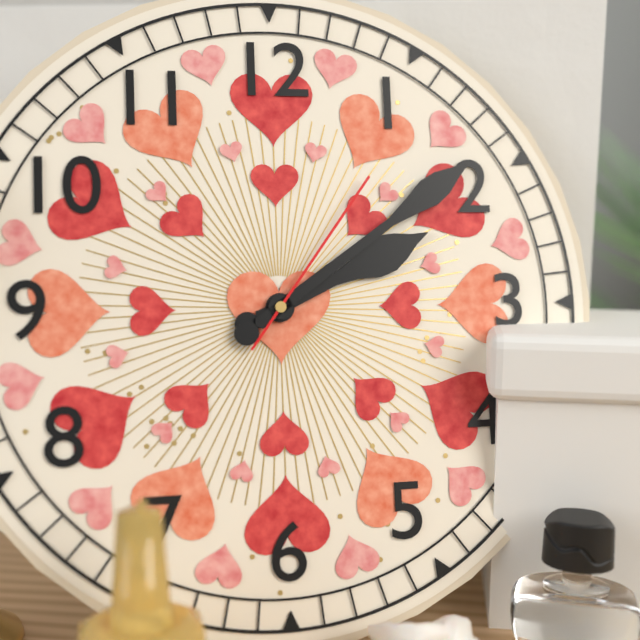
2.09.06
